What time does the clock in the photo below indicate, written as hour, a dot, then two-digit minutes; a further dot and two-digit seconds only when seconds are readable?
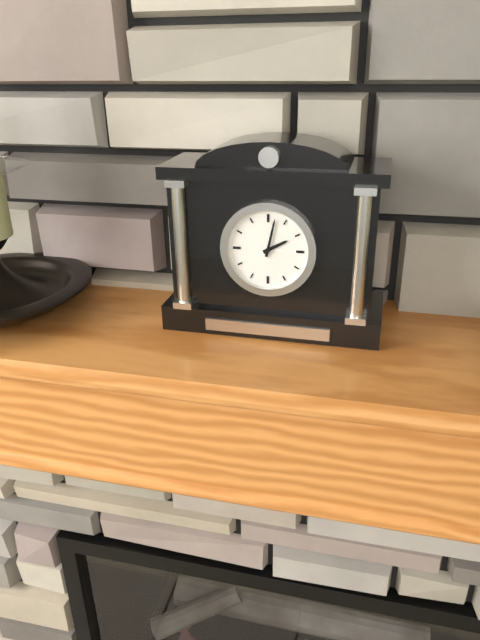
2.02
